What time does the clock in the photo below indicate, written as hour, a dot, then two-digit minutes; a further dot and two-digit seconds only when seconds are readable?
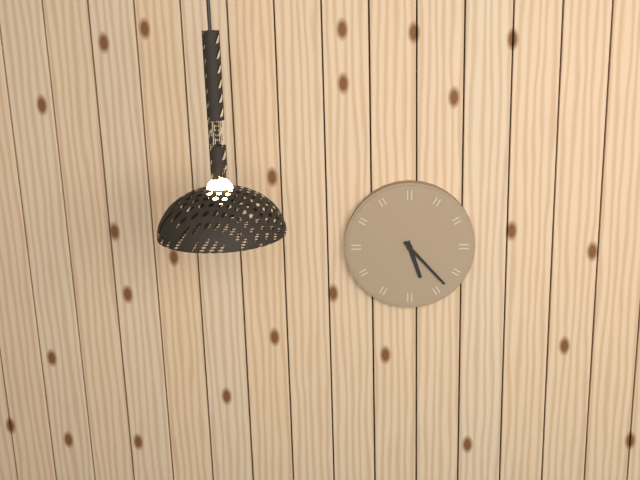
5.23
